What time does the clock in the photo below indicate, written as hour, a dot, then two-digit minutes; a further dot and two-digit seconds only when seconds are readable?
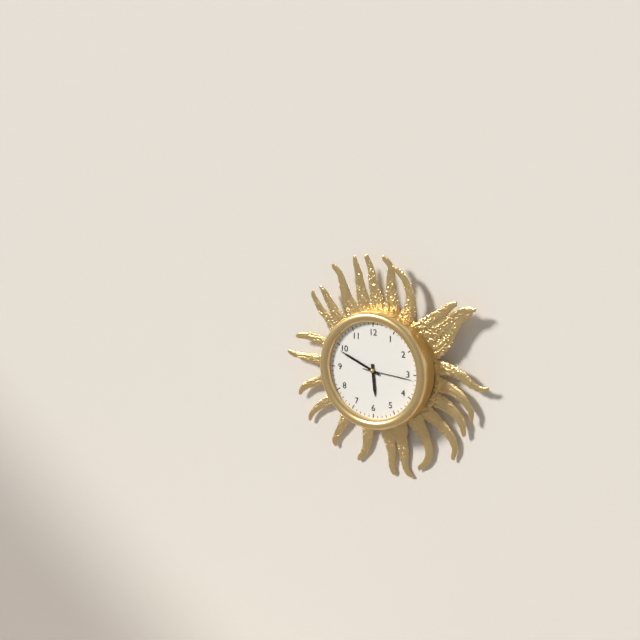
5.49.16
